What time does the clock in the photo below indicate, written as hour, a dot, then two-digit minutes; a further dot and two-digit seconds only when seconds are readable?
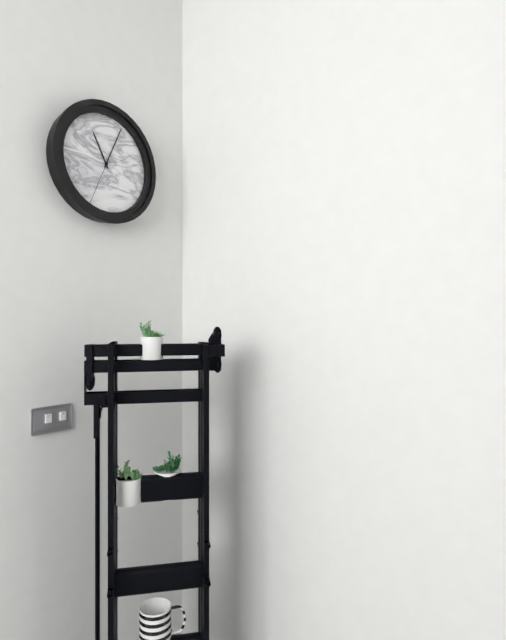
11.04.34
